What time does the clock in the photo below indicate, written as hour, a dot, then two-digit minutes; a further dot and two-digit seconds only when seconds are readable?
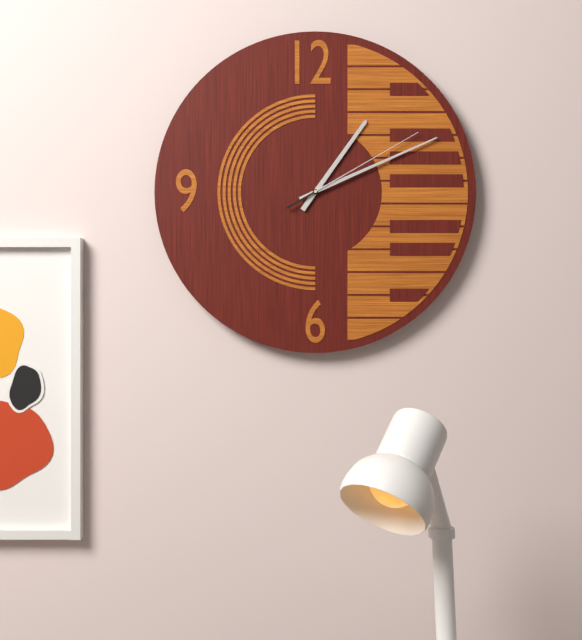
1.11.10
